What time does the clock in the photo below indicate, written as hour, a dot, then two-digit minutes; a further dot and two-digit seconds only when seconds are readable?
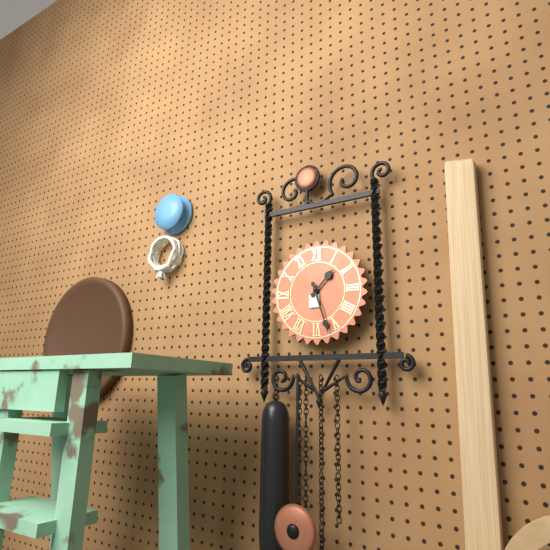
1.27
